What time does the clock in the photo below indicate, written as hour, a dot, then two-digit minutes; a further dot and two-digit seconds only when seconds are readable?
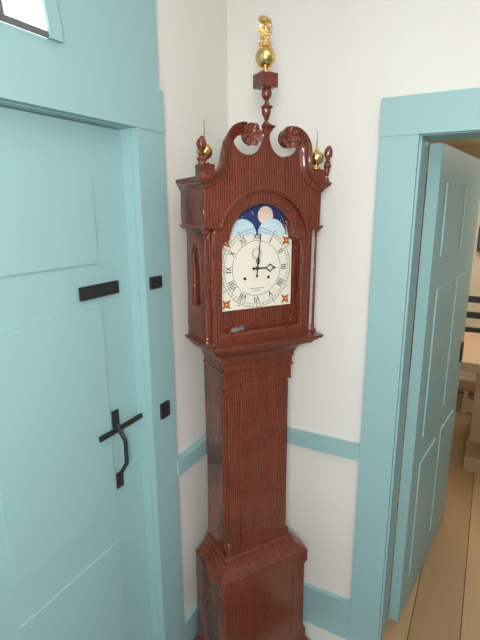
3.01
